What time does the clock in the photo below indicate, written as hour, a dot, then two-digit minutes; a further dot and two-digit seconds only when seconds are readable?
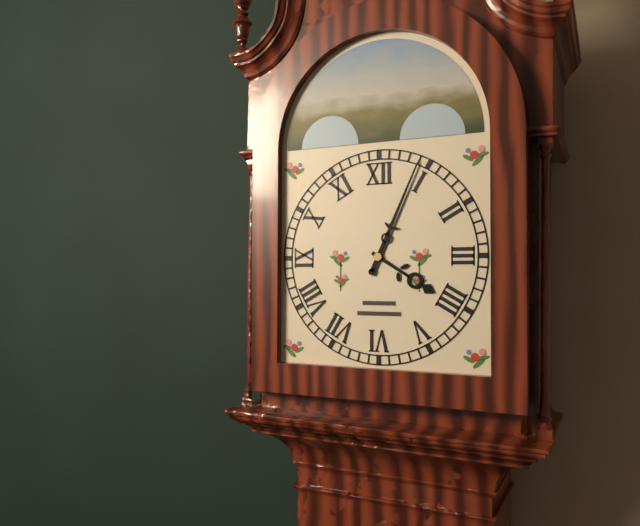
4.04
